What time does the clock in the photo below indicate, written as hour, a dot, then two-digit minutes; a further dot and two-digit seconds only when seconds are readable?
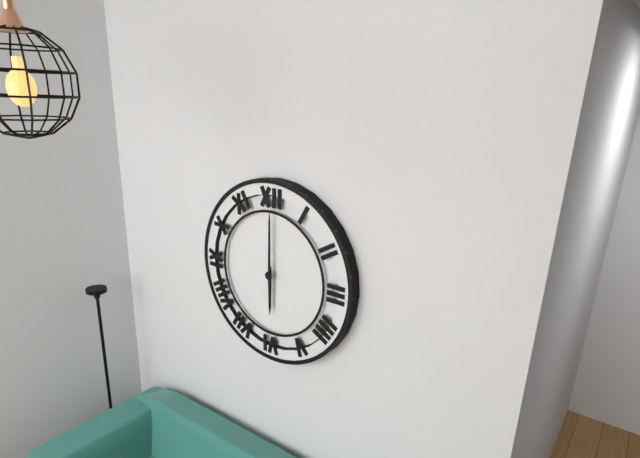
6.00
